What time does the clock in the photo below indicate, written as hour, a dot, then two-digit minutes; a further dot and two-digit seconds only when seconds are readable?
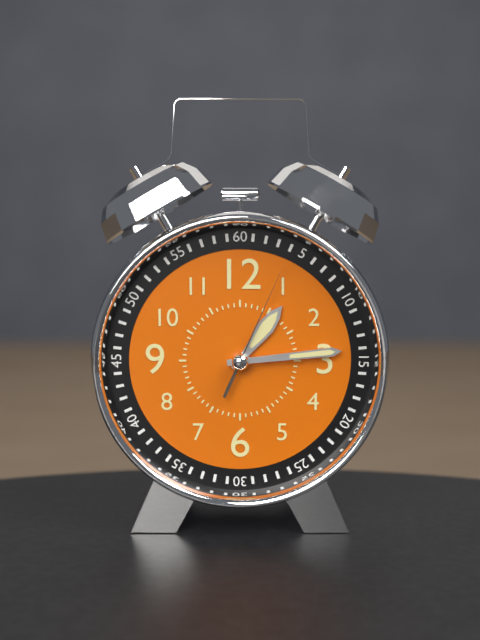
1.14.04
